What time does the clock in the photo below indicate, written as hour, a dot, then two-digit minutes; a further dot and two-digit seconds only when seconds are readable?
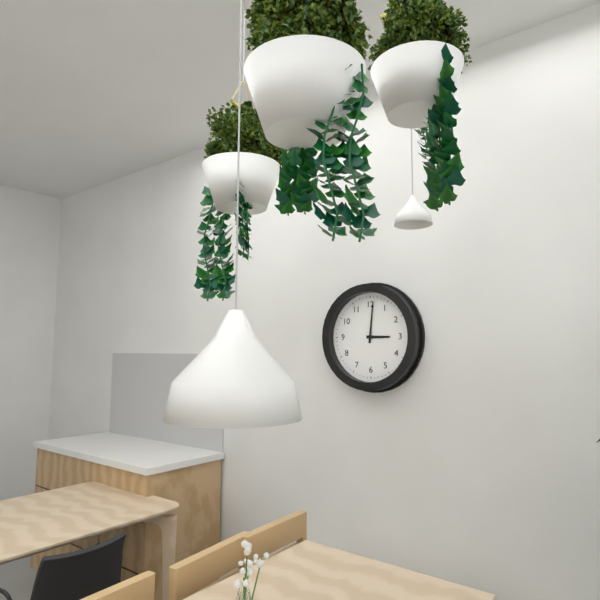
3.01
